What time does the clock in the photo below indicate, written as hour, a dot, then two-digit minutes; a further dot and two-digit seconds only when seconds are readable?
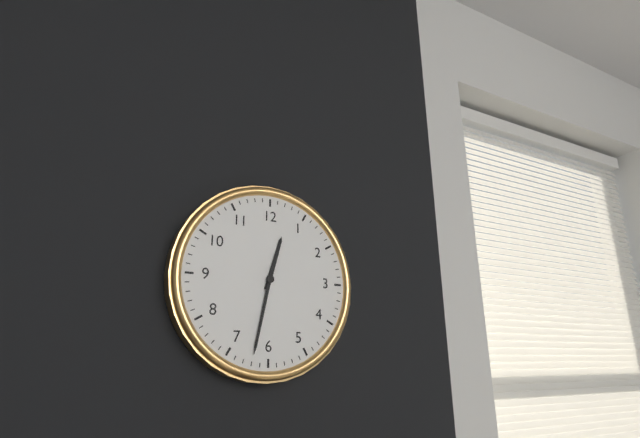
12.32
